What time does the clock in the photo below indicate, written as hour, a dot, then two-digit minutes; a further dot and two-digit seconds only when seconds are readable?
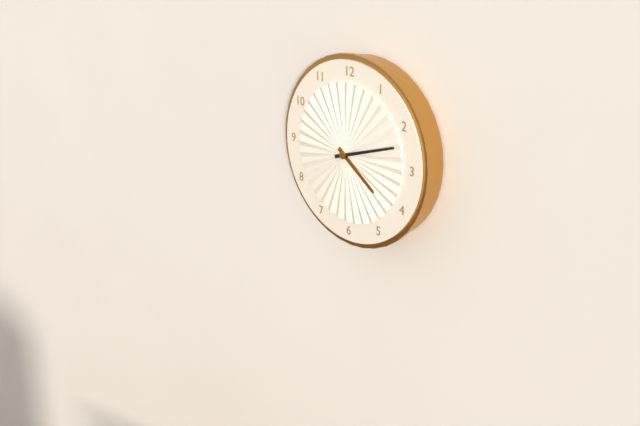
4.12
